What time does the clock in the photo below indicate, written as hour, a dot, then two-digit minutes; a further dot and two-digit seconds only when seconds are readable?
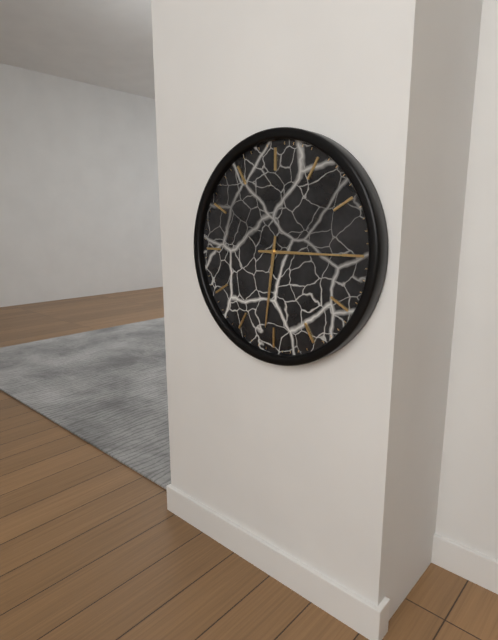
6.15
